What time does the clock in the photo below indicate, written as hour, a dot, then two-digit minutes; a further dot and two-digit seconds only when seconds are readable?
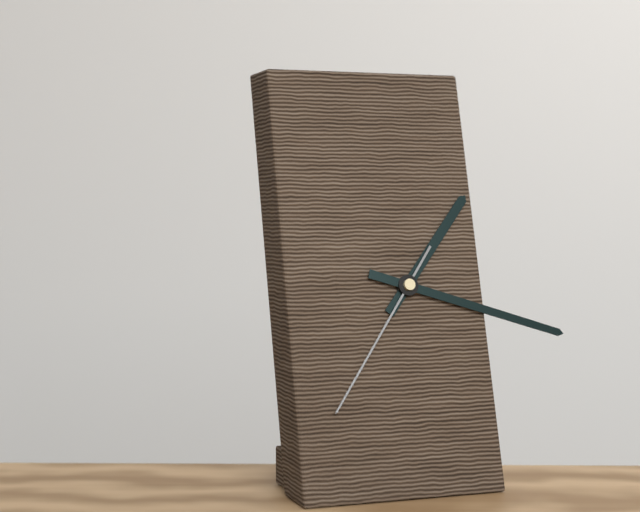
1.18.36
